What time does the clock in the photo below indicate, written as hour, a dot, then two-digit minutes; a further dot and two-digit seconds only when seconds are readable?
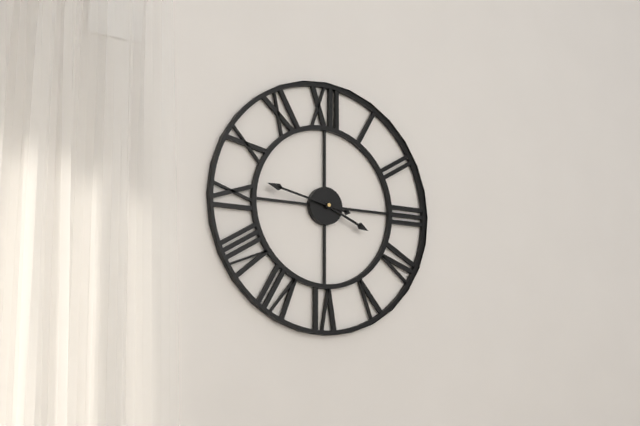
3.47
